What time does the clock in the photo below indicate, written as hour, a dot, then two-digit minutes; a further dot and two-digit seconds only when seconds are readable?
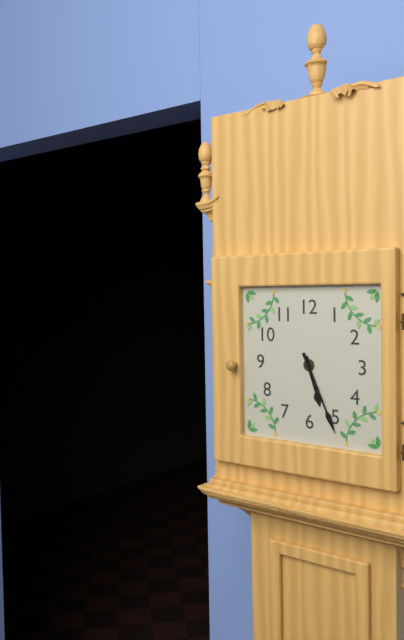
5.26
